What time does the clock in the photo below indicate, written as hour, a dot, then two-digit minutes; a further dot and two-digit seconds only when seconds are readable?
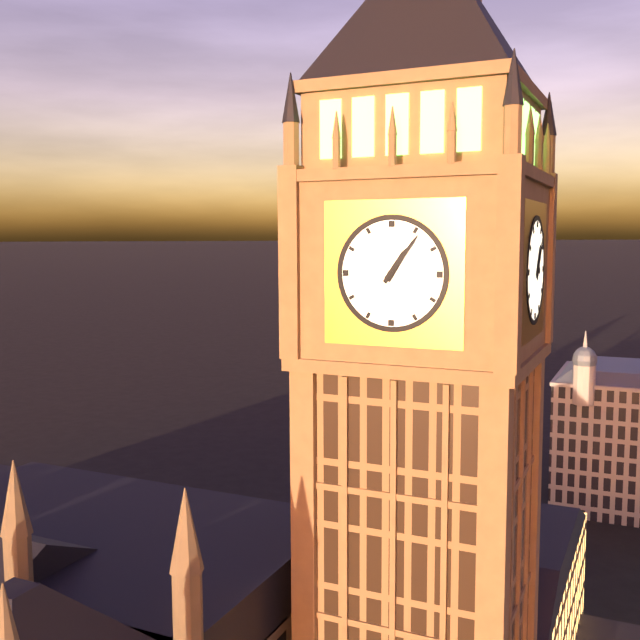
1.06
